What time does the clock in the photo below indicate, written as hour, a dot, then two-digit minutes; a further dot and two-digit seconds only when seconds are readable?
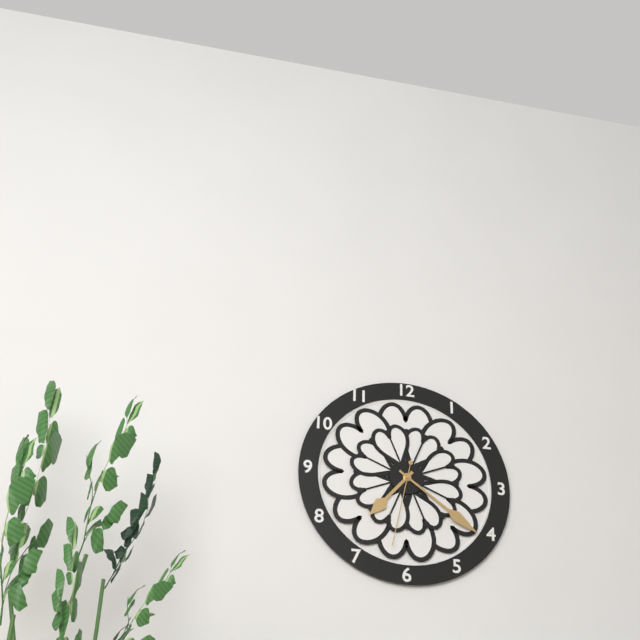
7.21.32
